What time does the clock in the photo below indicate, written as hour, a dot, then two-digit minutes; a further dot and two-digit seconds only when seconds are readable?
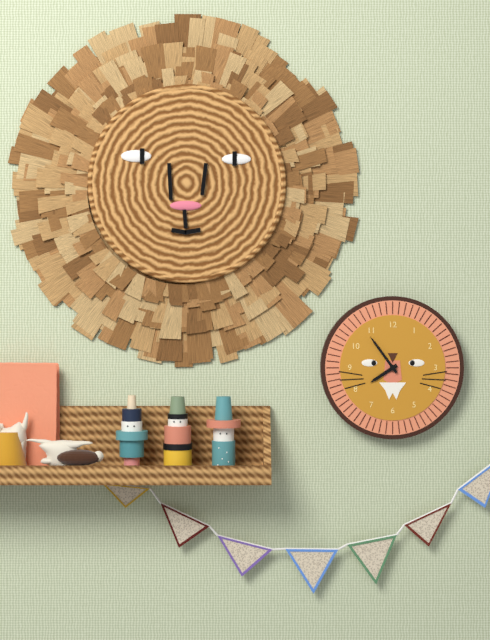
7.54
